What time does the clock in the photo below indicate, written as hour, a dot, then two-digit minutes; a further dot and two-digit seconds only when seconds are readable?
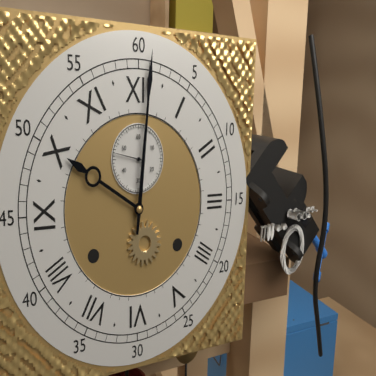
10.01
